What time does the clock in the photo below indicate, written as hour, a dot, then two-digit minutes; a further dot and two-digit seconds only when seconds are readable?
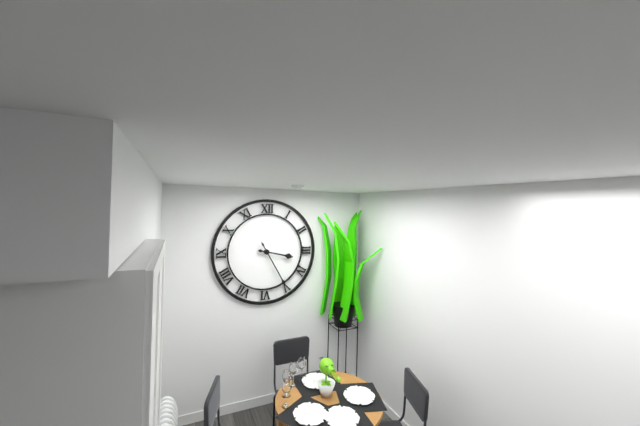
3.25
